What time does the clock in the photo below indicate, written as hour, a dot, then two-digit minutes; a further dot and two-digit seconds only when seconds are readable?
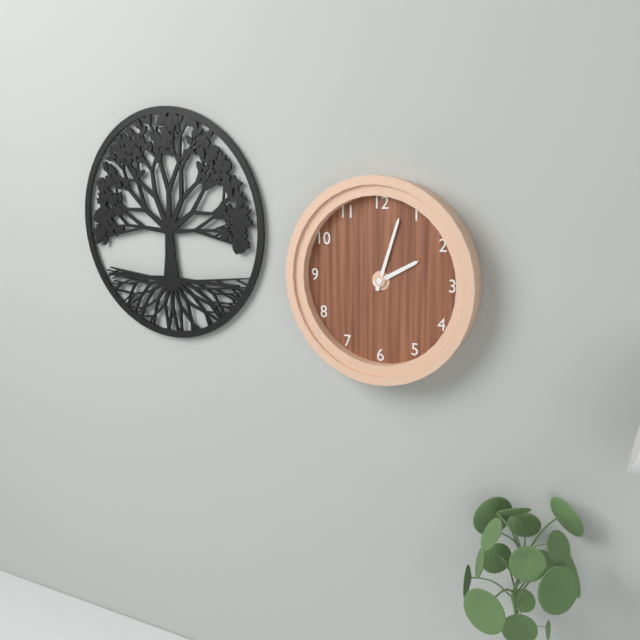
2.03
